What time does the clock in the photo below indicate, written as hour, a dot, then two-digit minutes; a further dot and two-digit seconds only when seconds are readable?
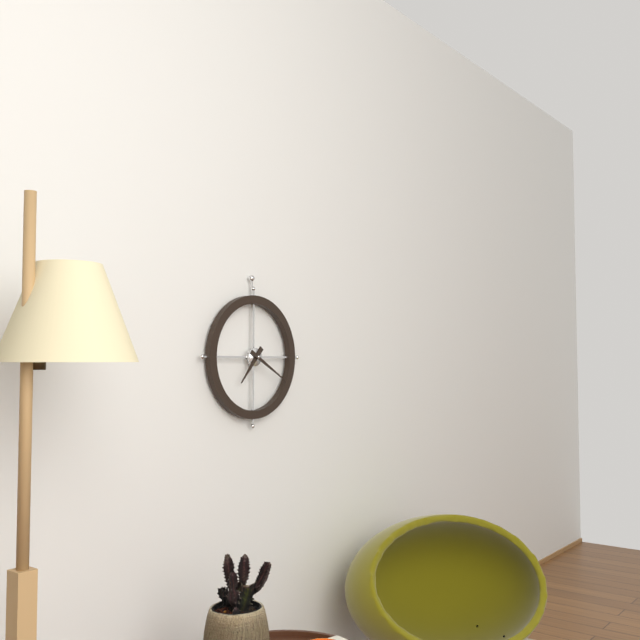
7.20
